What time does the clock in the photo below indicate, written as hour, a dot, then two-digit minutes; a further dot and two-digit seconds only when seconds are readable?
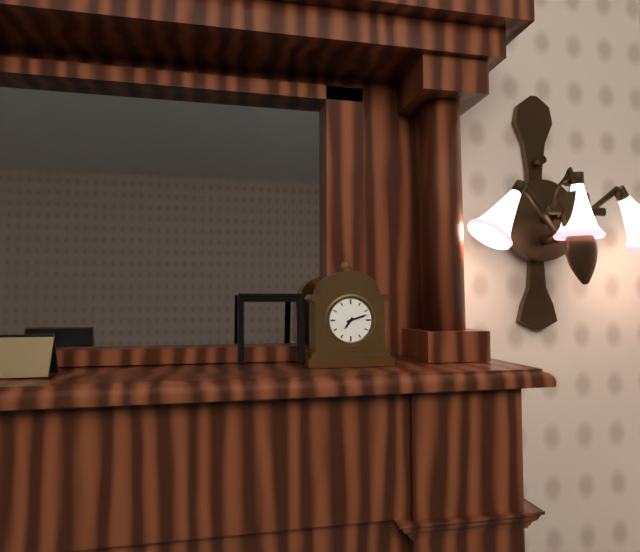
7.12
